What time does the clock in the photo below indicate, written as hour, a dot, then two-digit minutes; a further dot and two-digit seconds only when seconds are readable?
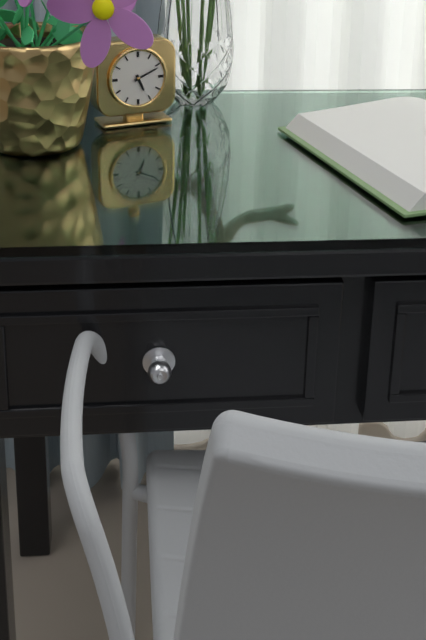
5.11
